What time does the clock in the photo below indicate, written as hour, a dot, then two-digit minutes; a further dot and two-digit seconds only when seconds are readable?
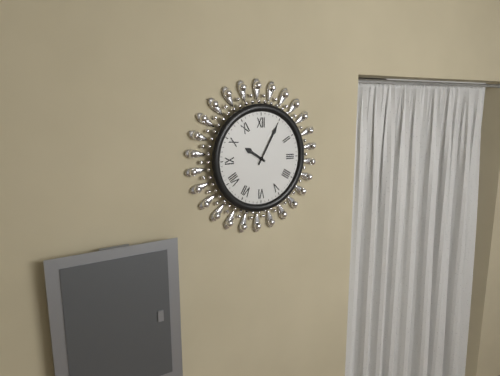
10.05
